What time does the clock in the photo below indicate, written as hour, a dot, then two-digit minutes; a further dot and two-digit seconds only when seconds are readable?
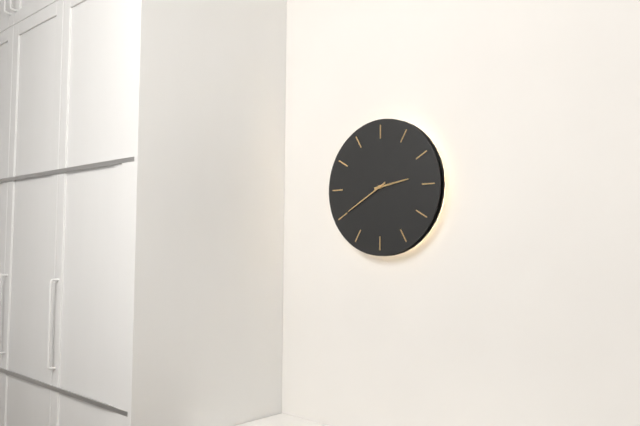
2.40
